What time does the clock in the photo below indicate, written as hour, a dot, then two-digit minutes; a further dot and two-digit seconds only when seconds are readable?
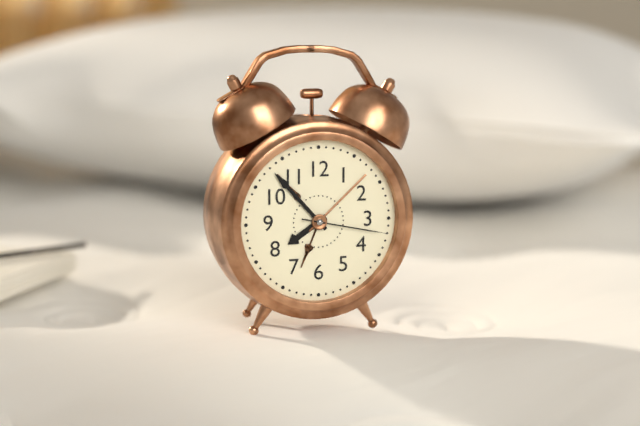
7.53.17
